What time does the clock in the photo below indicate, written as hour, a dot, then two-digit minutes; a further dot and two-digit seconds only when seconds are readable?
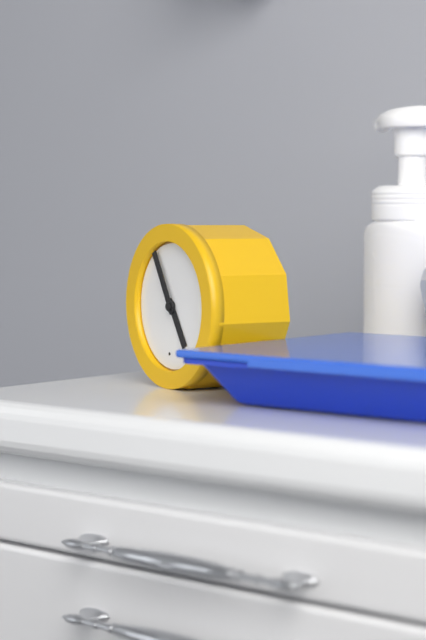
4.55
